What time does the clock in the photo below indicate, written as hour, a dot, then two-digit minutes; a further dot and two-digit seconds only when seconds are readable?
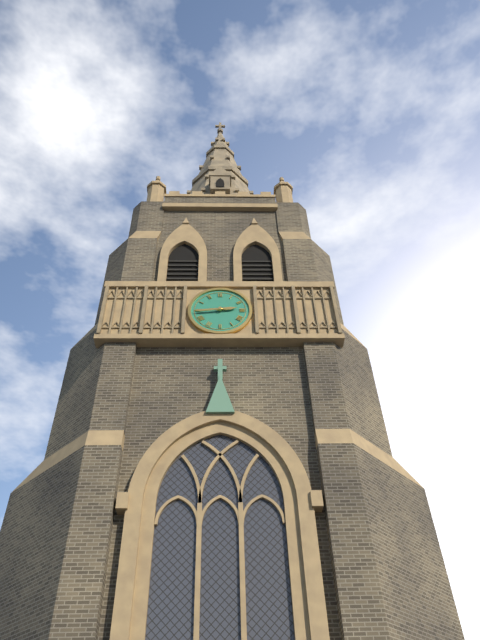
2.44
